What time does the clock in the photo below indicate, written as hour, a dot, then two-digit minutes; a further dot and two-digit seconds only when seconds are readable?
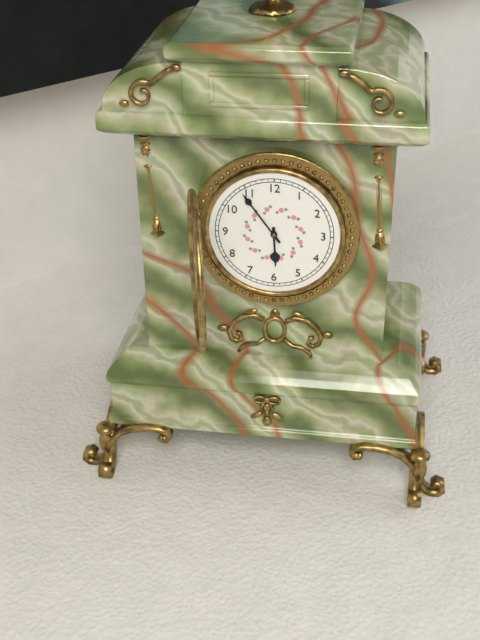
5.54
